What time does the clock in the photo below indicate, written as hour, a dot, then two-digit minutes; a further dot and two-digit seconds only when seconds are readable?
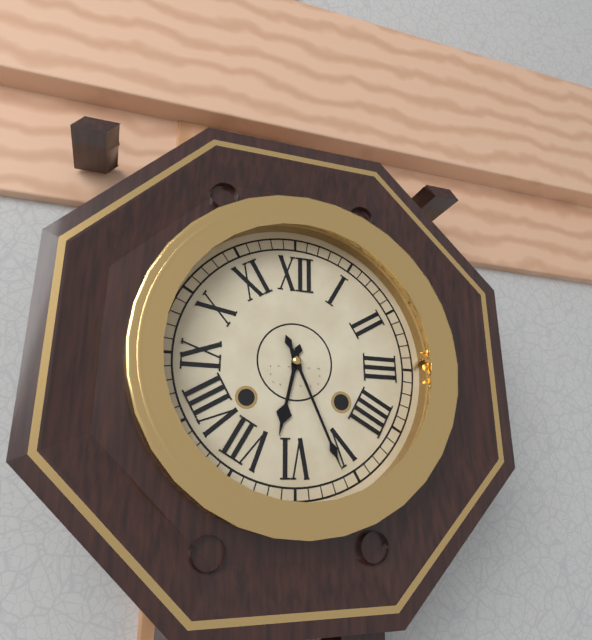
6.26
